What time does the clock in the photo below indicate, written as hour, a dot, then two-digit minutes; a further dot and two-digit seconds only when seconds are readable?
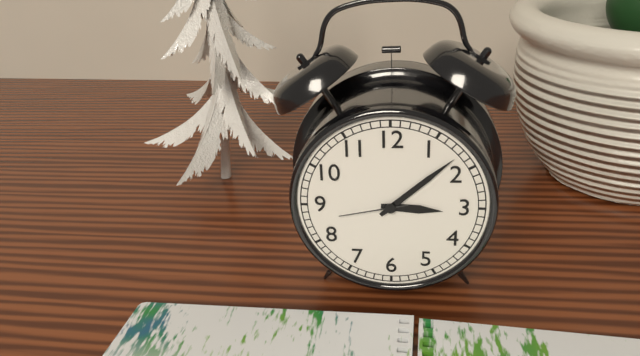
3.08.43
